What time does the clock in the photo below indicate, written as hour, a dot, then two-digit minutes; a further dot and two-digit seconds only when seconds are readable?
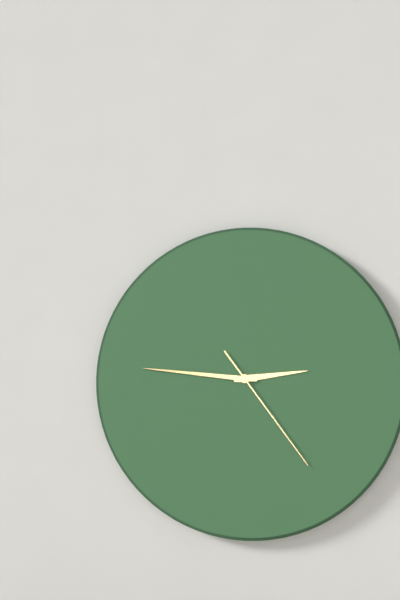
2.46.24
